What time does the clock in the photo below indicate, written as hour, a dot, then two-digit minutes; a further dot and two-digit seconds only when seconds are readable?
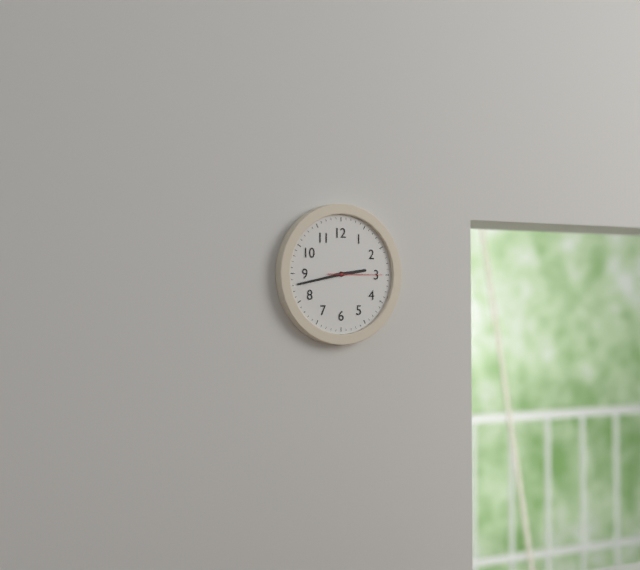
2.43.15
